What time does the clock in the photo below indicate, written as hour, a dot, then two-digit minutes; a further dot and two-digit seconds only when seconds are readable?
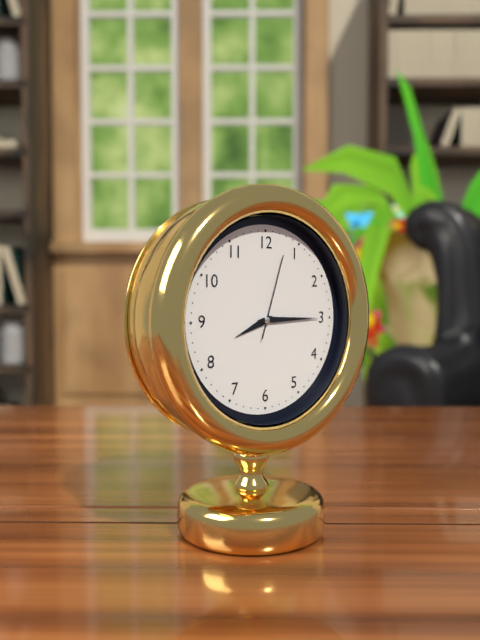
8.15.03
